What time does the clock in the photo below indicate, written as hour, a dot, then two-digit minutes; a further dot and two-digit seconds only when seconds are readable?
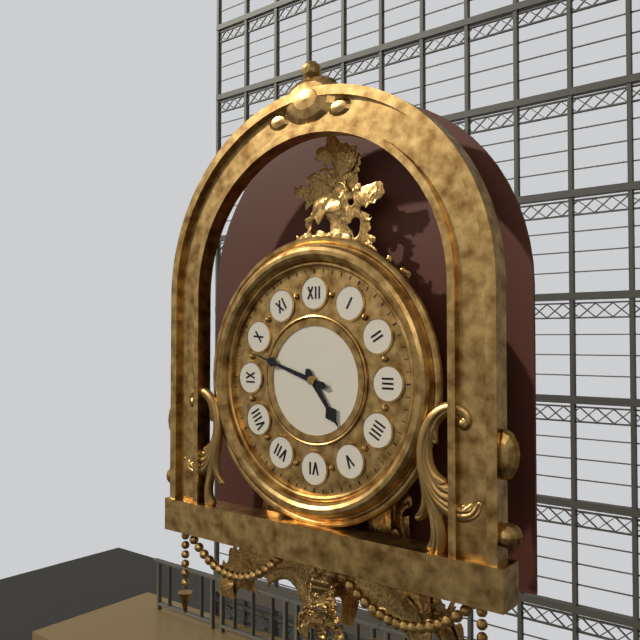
4.48
